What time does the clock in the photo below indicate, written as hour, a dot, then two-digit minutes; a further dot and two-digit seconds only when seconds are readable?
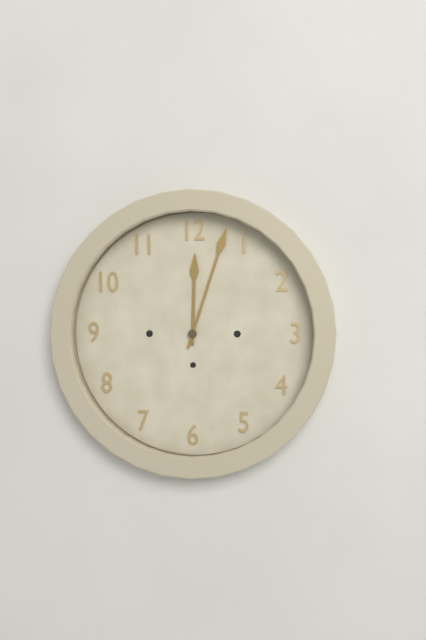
12.03
